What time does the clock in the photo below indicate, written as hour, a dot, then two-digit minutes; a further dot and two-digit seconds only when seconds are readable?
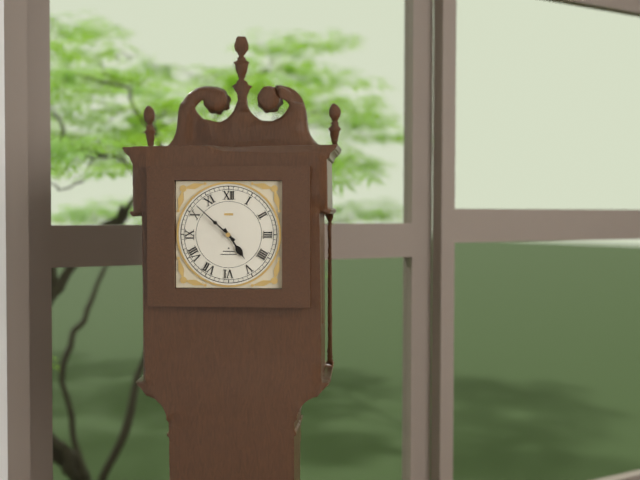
4.52
